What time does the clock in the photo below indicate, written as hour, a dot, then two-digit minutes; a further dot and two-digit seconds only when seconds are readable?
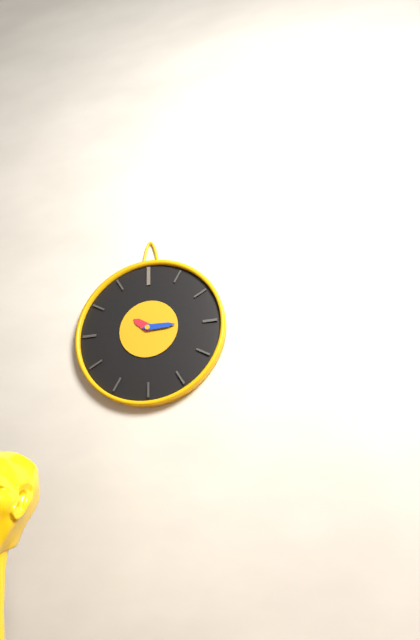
10.15
